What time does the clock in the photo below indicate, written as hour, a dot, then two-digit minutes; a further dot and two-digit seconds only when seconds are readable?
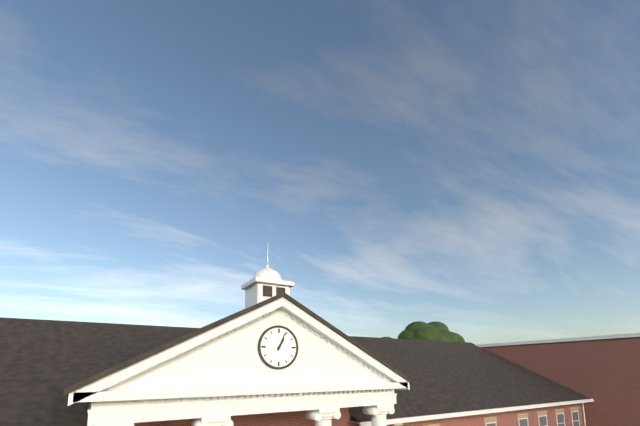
1.04
